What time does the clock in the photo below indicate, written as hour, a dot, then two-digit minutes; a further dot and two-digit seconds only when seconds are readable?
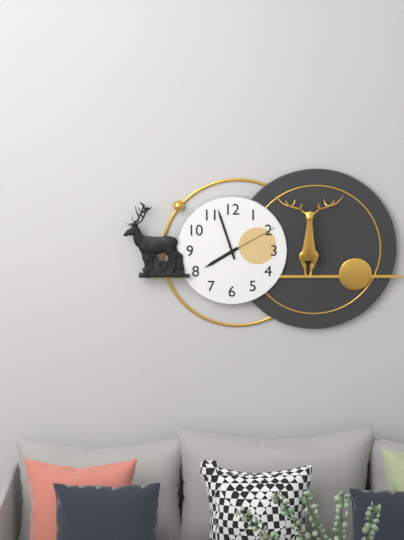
7.57.10
